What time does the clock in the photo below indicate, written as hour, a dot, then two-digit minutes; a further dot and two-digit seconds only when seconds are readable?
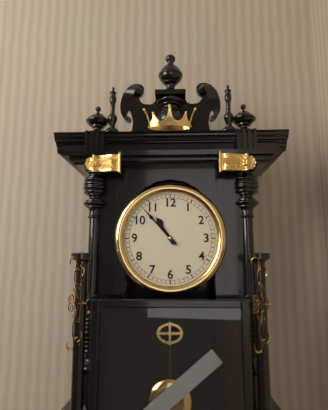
10.53
